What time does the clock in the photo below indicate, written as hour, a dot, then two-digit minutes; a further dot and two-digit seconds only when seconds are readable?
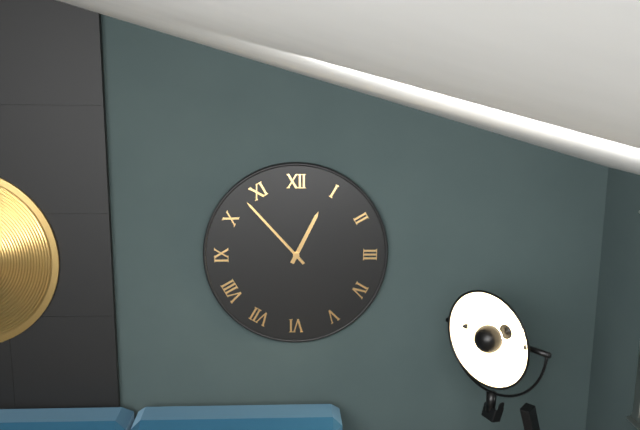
12.53
